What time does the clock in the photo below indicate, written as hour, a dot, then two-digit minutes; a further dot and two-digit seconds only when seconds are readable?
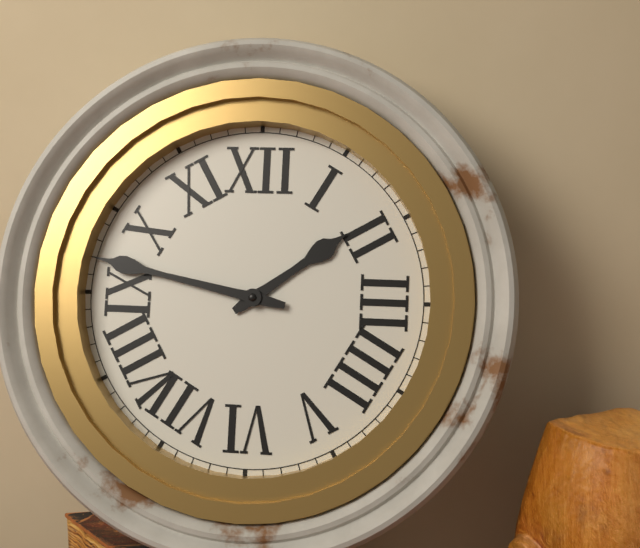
1.47
